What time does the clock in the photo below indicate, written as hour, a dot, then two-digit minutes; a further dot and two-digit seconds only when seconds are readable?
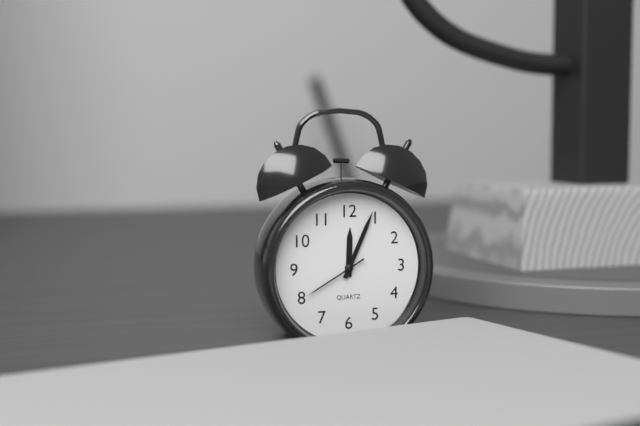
12.04.40
